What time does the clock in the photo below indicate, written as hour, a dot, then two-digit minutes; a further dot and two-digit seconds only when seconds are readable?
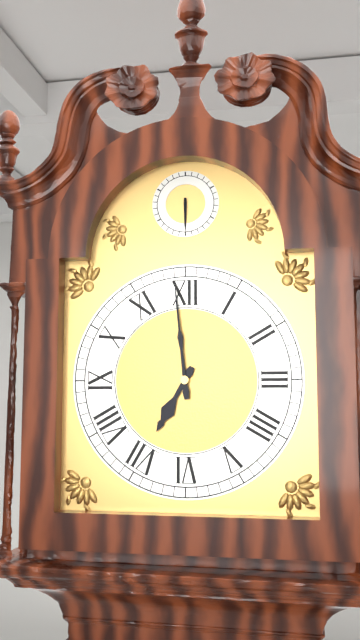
6.59
